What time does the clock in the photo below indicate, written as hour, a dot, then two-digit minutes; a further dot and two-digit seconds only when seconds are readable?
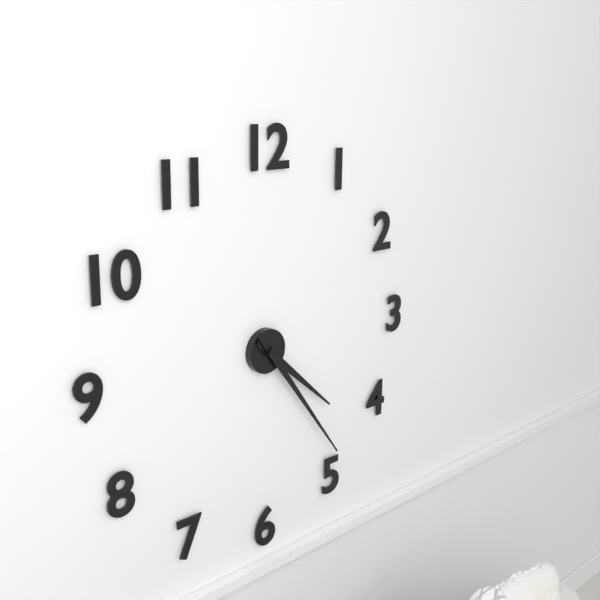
4.24
